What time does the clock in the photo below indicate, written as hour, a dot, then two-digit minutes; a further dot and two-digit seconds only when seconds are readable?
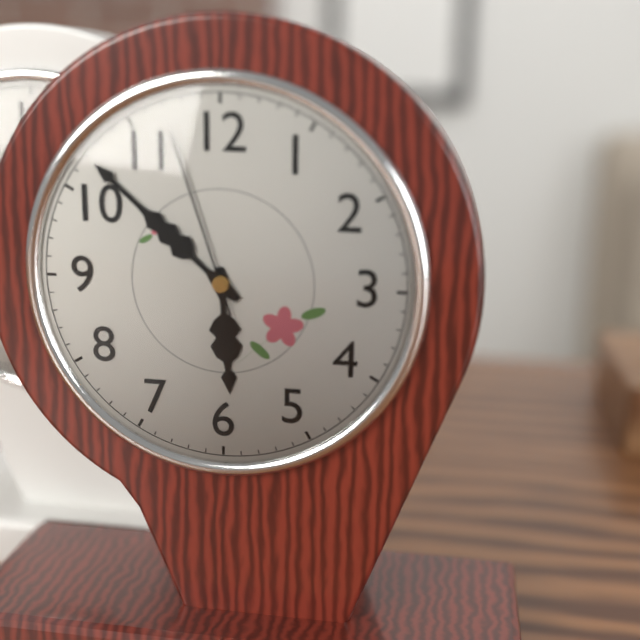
5.52.57
